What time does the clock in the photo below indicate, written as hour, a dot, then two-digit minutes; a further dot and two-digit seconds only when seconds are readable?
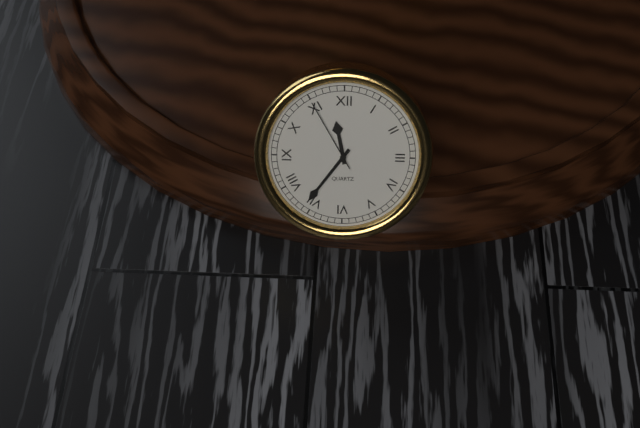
11.36.55
